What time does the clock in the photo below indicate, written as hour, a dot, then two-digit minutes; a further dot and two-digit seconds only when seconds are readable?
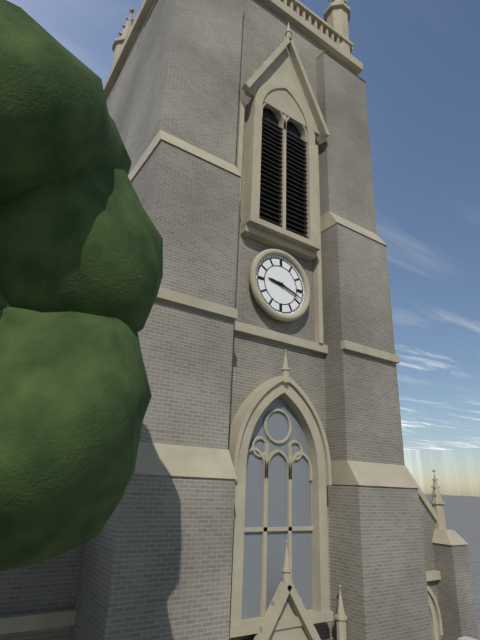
9.18
